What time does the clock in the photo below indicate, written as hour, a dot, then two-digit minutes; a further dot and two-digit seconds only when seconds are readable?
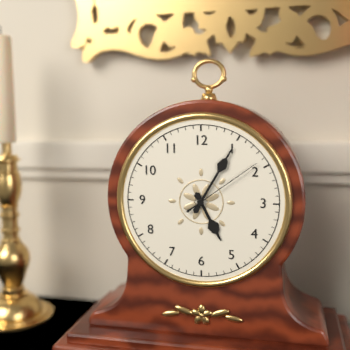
5.05.09
